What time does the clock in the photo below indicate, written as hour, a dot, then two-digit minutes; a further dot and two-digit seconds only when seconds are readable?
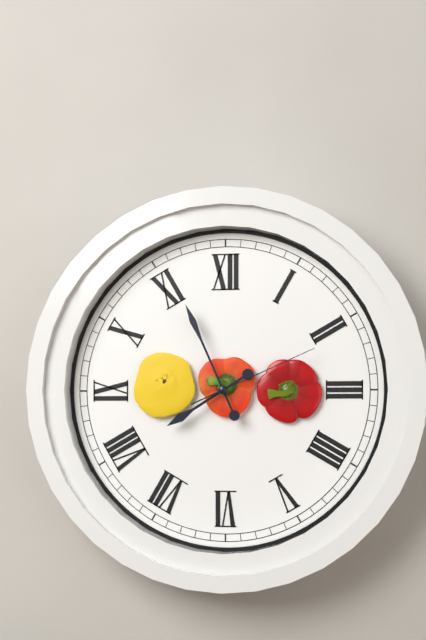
7.56.11
